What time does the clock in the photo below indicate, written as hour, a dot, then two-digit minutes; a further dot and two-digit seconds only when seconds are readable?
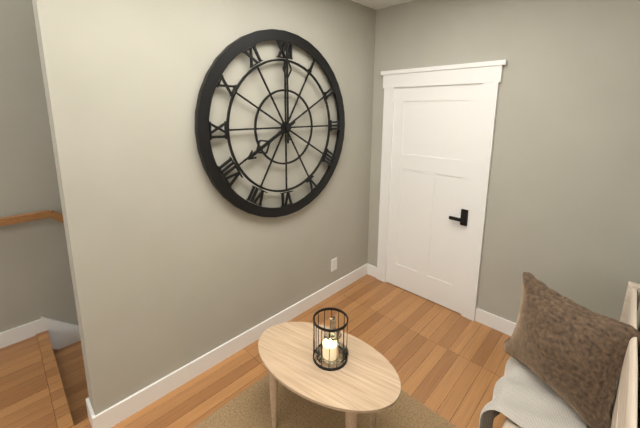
8.00
